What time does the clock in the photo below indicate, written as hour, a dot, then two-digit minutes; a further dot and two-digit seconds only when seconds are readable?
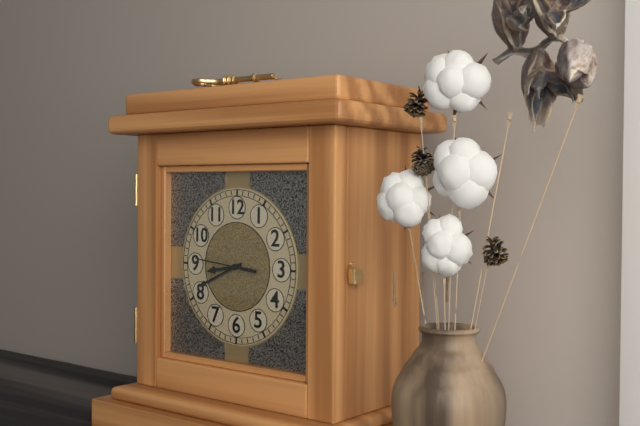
8.41.46
